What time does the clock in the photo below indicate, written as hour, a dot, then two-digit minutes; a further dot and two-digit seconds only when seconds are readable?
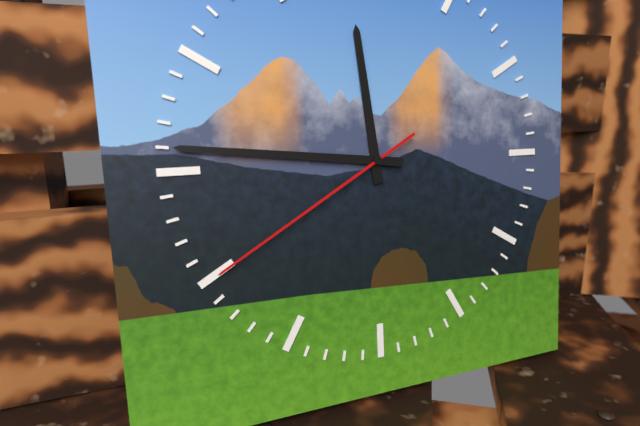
11.46.40
